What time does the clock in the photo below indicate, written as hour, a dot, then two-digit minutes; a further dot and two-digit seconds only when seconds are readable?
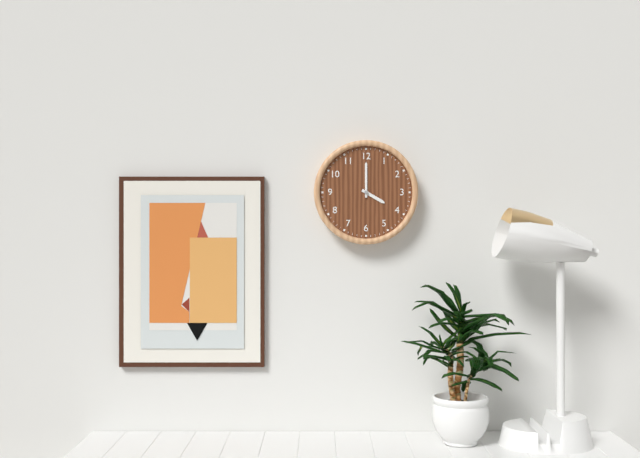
4.00
